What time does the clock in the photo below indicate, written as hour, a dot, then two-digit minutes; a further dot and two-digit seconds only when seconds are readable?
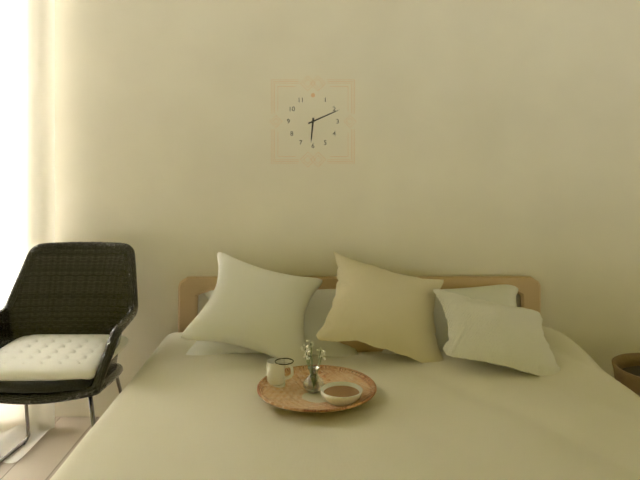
6.11
